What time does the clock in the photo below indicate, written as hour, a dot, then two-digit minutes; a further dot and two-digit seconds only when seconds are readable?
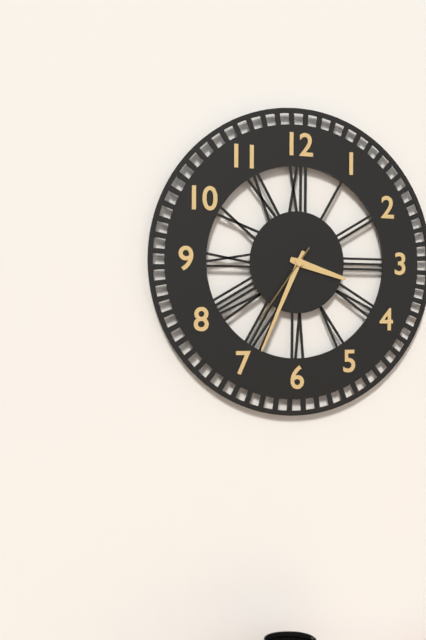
3.34.36
